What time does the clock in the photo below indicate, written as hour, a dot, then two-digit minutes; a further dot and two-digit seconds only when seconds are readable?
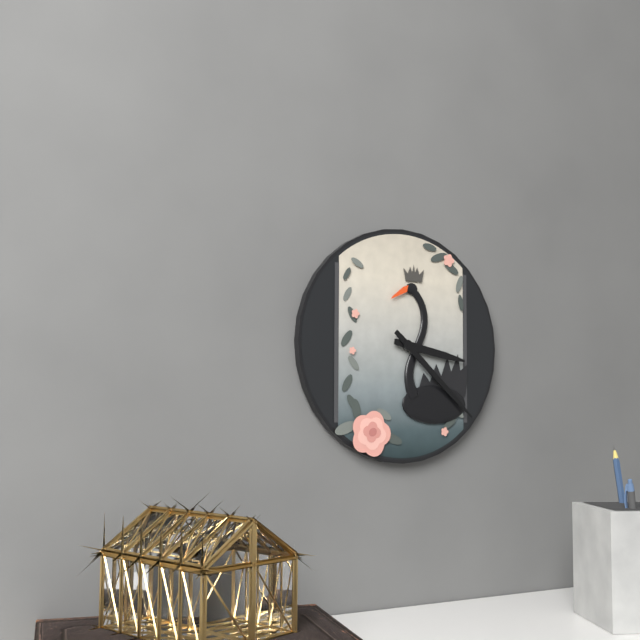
3.22
